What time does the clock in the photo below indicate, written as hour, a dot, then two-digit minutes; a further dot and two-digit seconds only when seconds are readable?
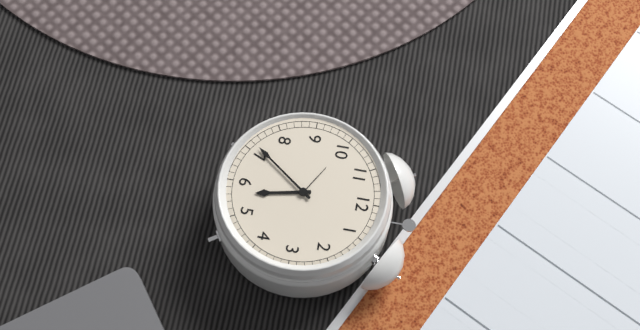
5.36
